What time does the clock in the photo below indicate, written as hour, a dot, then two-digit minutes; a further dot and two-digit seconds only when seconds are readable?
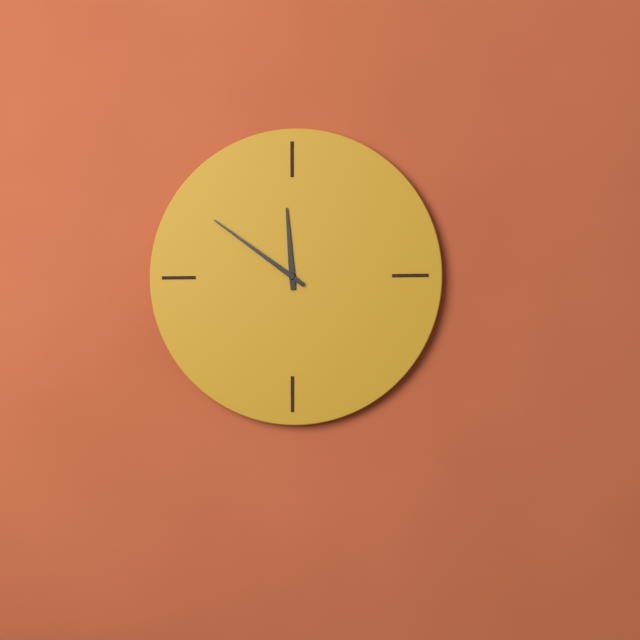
11.51
